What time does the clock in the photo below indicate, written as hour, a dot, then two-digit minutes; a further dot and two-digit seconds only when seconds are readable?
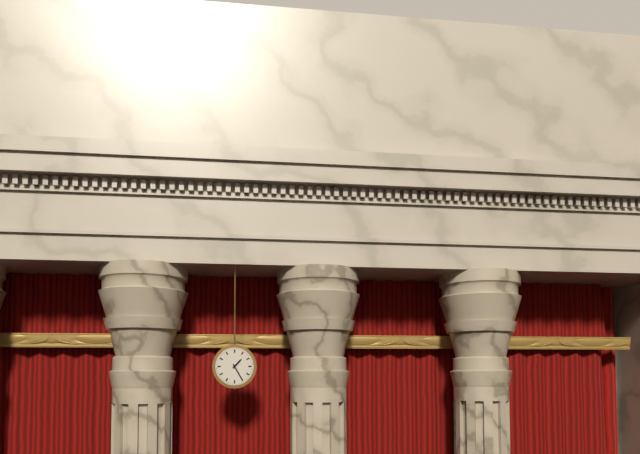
1.25
